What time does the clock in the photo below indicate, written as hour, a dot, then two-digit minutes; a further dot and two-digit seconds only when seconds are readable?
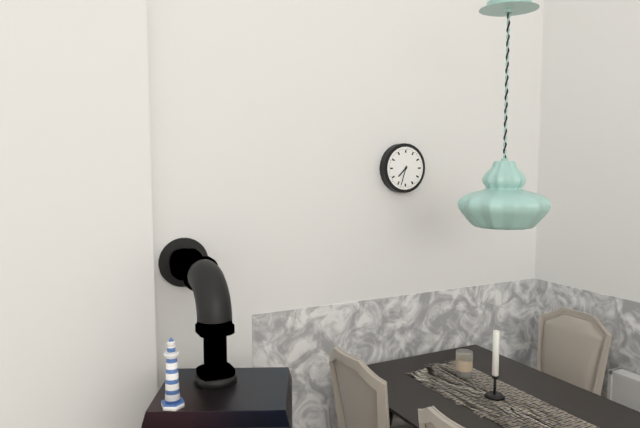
7.33
